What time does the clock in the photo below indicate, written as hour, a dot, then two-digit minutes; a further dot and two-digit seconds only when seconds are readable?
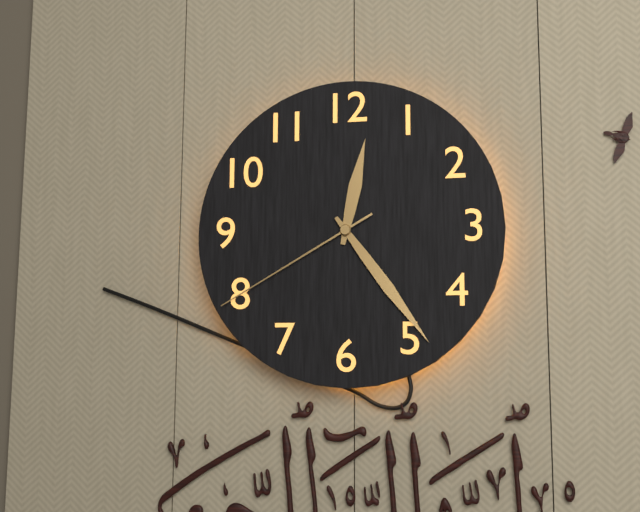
12.24.40
